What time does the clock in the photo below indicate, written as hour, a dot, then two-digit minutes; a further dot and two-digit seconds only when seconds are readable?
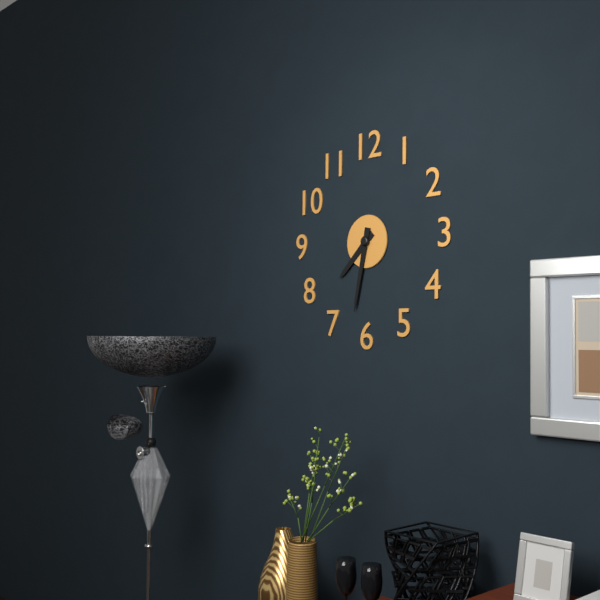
7.32
